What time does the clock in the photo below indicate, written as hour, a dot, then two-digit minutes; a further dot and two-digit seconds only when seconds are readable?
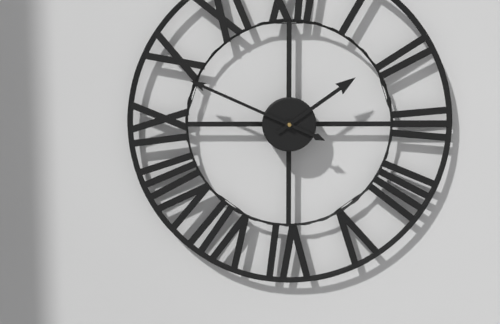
1.49
